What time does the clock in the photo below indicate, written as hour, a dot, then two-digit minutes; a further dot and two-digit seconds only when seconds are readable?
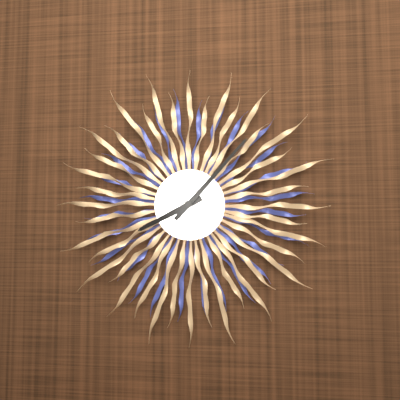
8.07
